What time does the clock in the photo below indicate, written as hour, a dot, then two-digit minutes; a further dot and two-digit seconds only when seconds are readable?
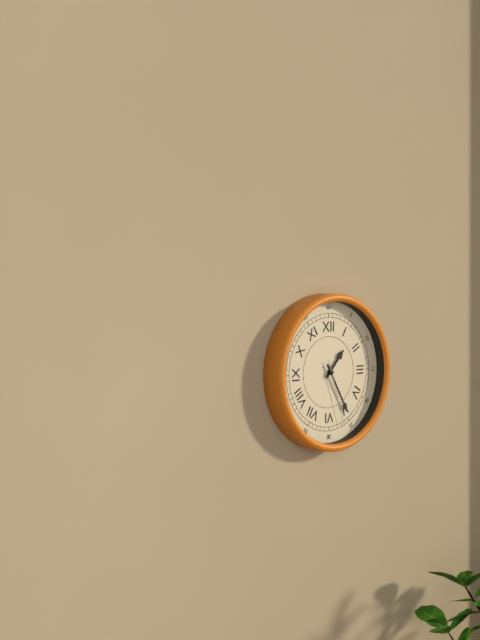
1.25.27
